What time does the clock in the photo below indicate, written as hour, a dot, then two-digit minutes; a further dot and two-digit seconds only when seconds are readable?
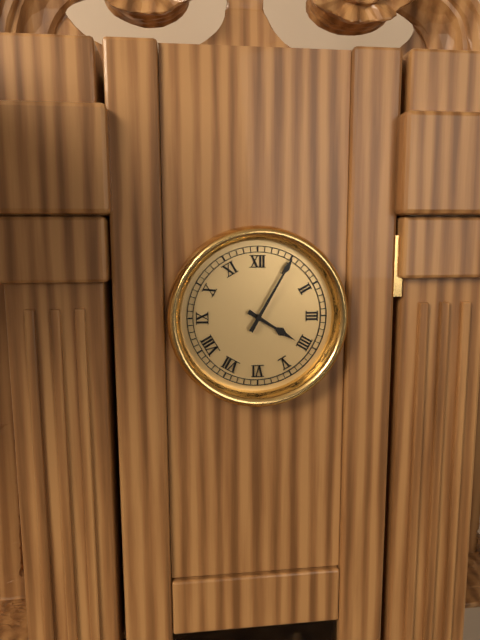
4.05
